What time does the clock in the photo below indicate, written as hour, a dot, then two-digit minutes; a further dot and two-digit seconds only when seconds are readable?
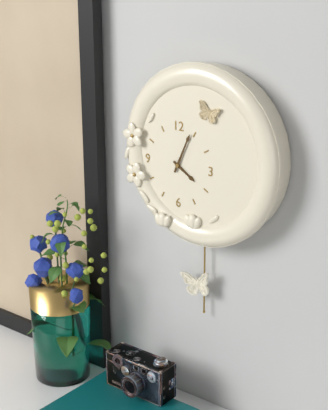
4.04
